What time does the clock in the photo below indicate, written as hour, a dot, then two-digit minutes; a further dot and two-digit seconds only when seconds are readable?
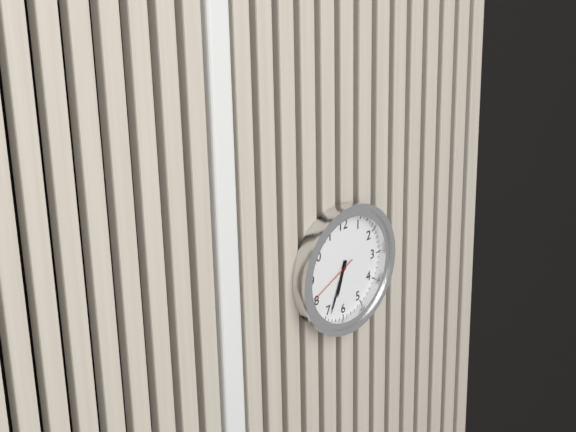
6.34.41
